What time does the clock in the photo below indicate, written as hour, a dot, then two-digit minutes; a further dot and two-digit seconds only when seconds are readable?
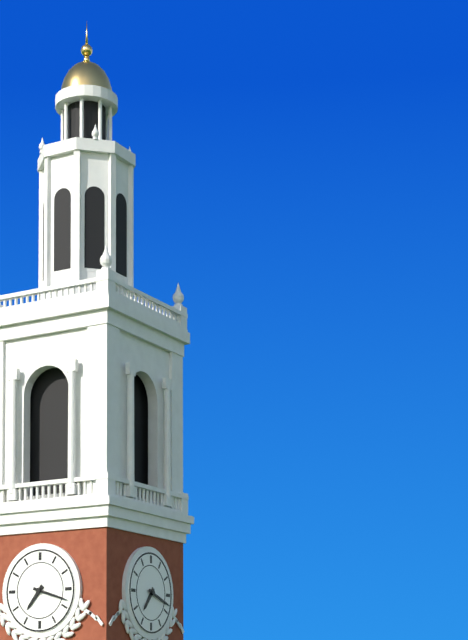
7.18
